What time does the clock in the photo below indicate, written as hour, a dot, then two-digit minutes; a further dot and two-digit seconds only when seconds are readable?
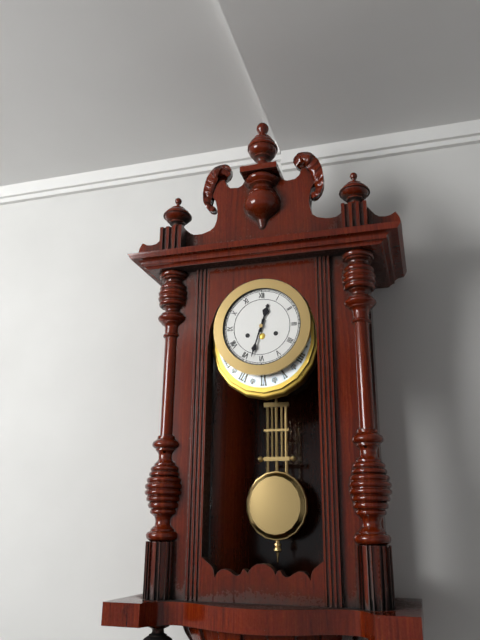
12.33
